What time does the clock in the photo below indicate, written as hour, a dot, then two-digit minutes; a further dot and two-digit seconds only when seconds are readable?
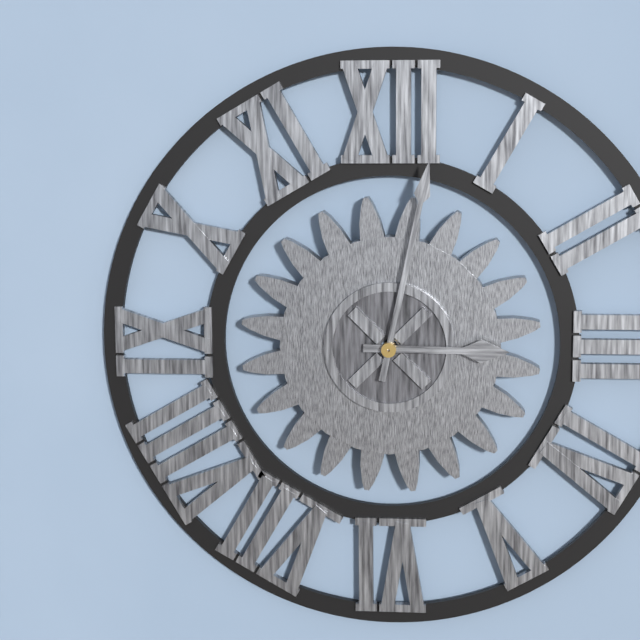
3.02
